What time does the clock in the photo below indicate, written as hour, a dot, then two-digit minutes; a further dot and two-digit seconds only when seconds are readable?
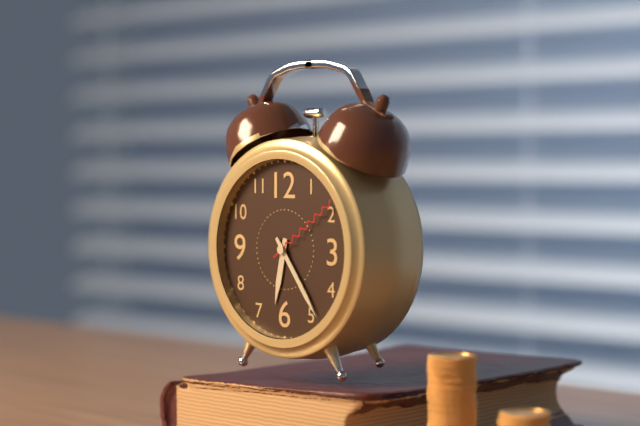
6.24.09
